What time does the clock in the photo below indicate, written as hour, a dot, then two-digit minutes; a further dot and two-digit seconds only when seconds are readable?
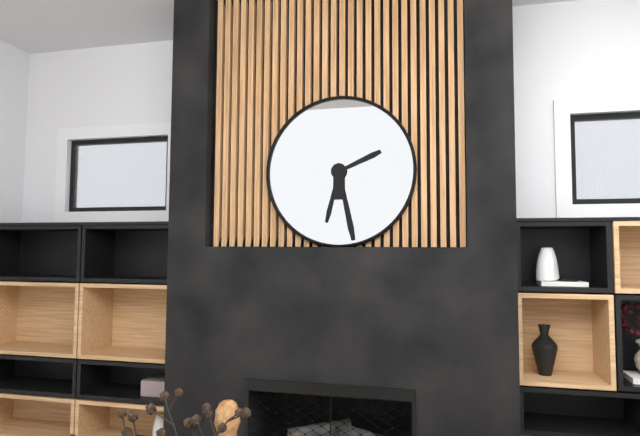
6.28.11
